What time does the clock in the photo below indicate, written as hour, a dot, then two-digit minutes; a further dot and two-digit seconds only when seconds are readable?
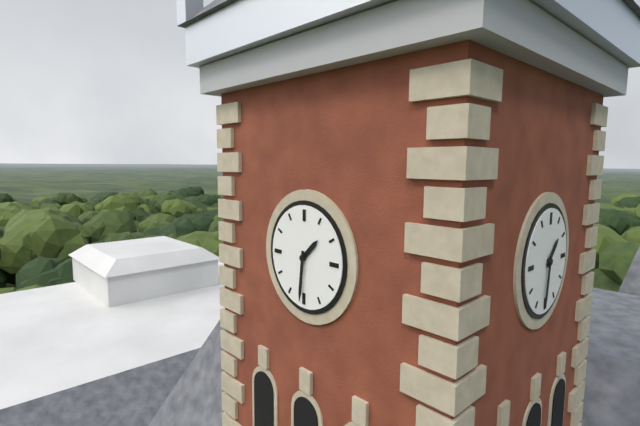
1.31
